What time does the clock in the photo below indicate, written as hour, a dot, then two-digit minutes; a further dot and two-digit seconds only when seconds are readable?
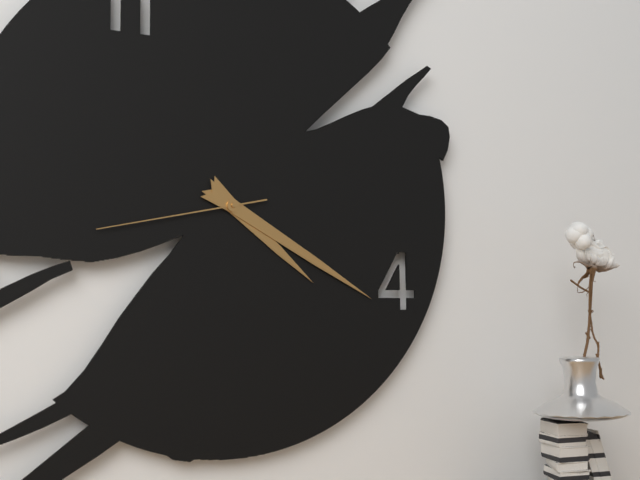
4.20.43
